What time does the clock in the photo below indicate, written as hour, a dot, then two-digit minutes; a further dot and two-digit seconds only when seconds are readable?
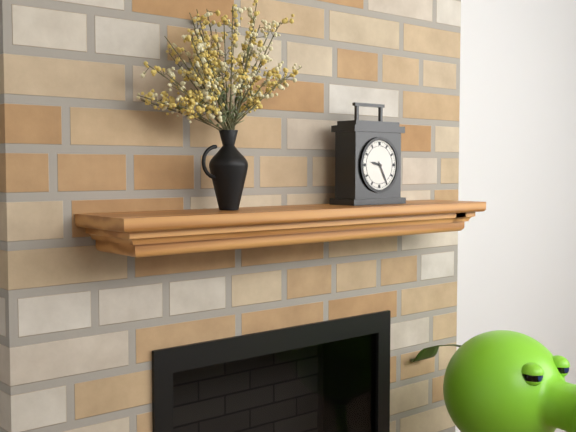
9.25
